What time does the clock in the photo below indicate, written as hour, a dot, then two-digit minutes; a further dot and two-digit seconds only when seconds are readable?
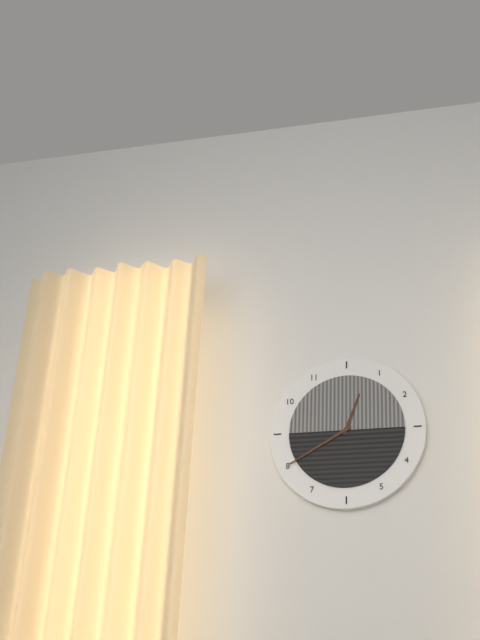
12.40
